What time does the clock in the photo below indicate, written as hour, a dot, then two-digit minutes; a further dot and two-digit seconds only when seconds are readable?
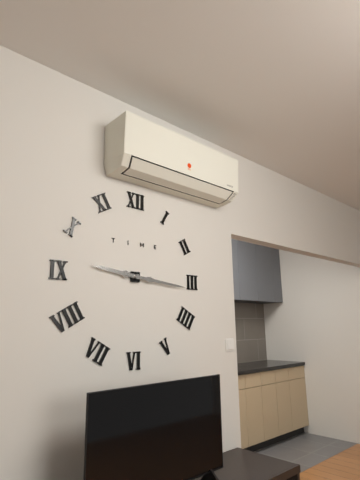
9.16
